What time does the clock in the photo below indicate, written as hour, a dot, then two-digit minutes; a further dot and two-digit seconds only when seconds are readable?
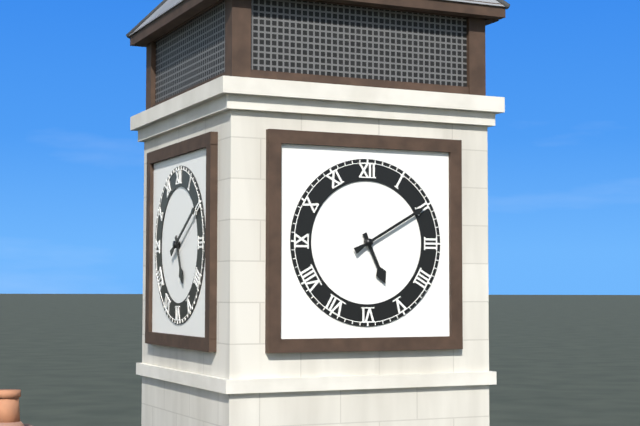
5.10
